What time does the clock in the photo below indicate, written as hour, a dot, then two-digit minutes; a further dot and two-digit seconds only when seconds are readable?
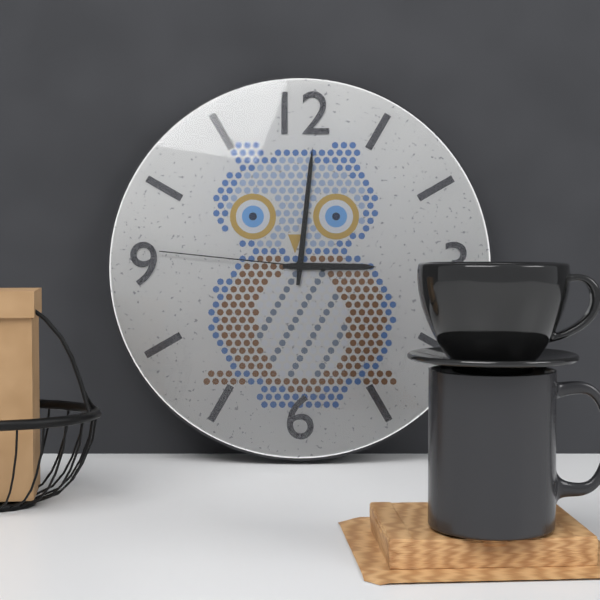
3.01.46
